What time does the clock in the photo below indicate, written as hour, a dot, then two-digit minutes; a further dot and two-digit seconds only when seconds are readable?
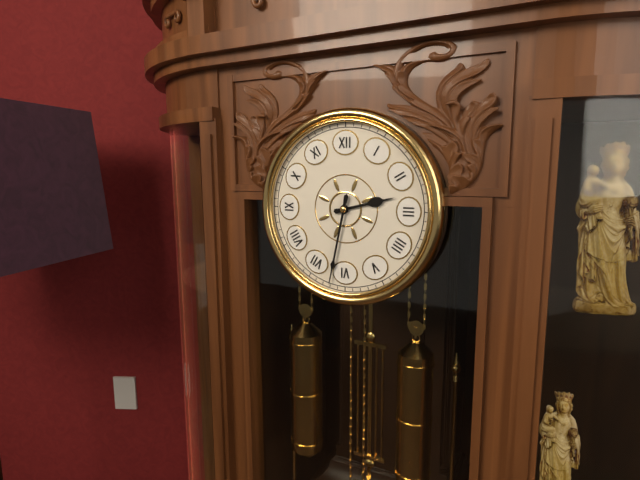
2.32
